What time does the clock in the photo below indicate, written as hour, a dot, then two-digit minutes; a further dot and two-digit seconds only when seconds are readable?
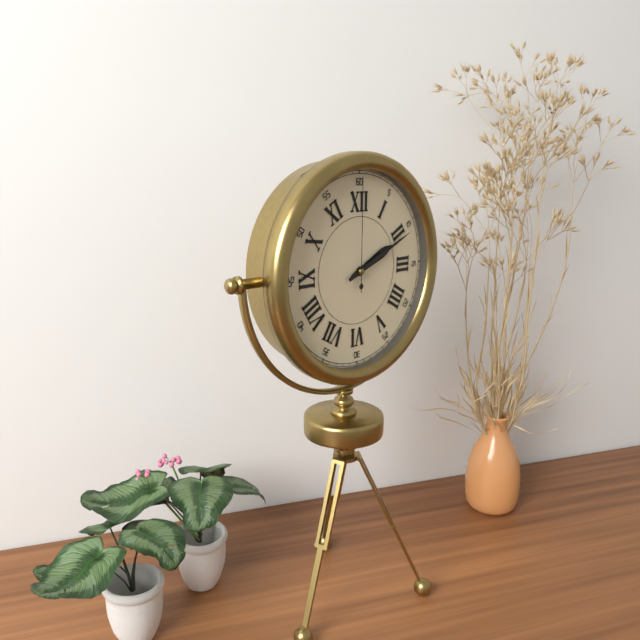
2.11.00
